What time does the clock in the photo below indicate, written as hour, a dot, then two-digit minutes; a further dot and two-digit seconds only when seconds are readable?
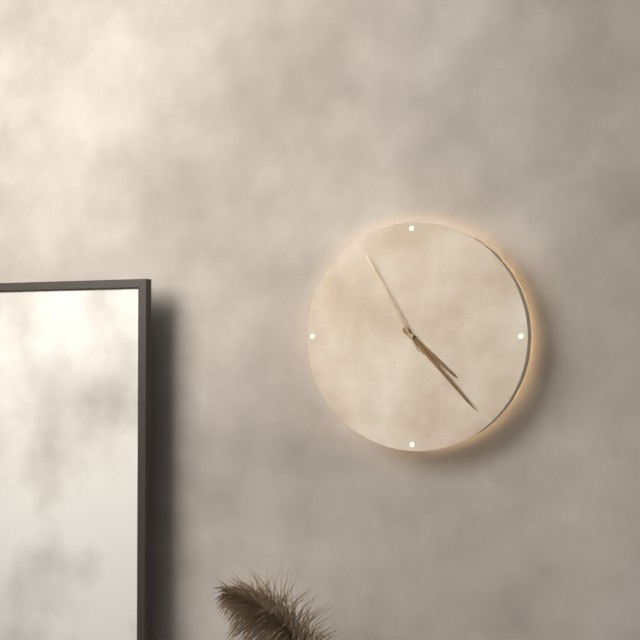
4.23.55
